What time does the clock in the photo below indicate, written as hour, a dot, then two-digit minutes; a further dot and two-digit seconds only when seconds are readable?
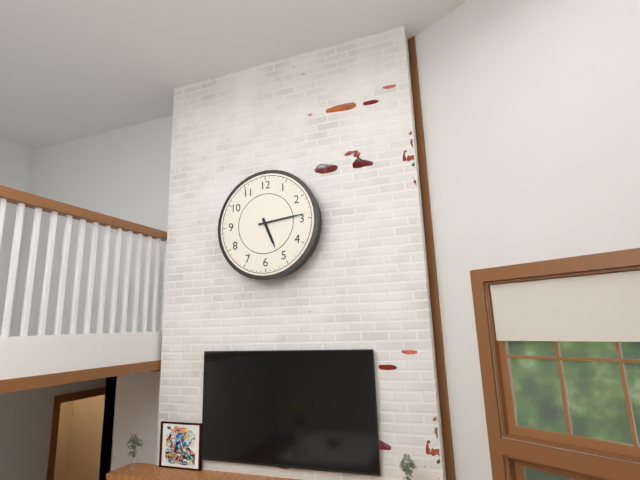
5.14
